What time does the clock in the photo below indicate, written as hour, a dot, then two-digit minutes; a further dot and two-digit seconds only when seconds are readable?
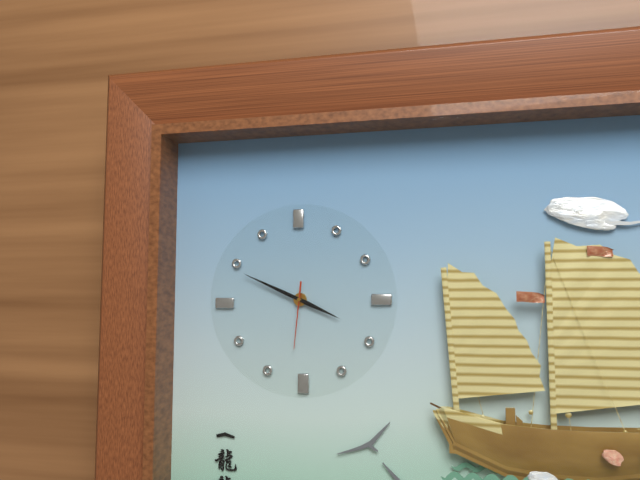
3.49.31
